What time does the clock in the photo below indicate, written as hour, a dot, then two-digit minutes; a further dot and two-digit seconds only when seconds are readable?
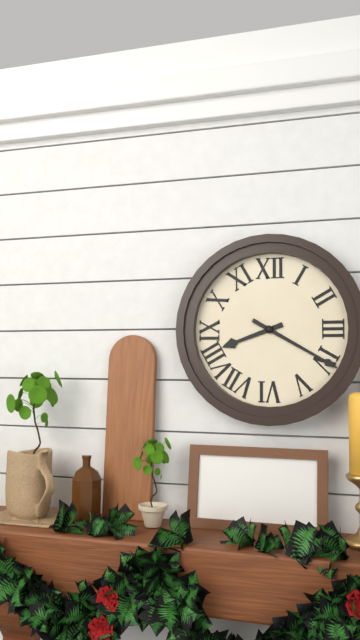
8.20
